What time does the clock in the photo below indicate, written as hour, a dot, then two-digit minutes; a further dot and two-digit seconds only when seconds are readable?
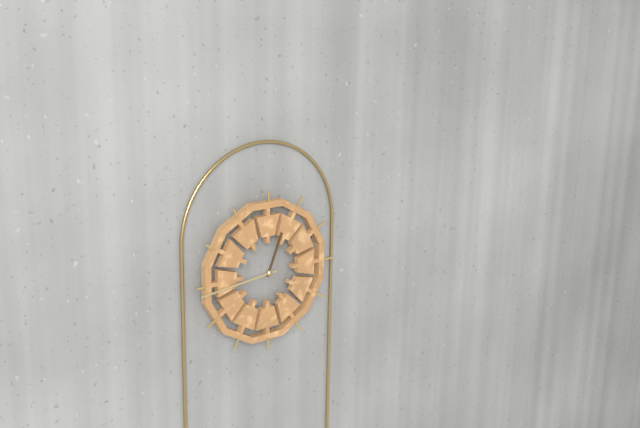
12.44
